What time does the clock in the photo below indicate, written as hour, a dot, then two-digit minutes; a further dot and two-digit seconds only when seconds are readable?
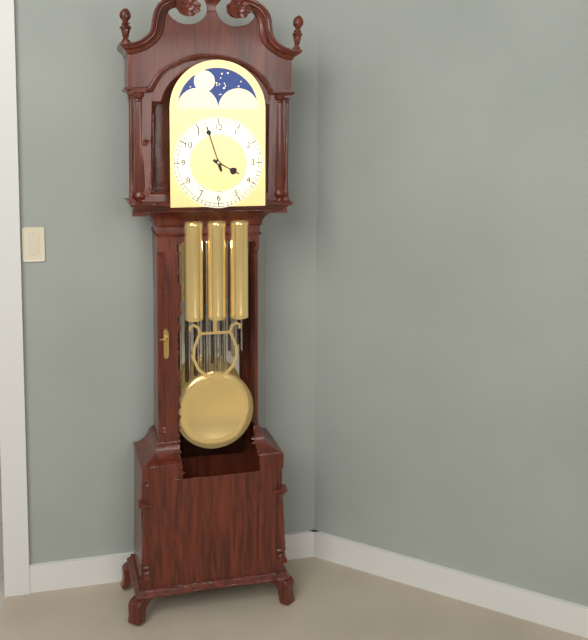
3.57
